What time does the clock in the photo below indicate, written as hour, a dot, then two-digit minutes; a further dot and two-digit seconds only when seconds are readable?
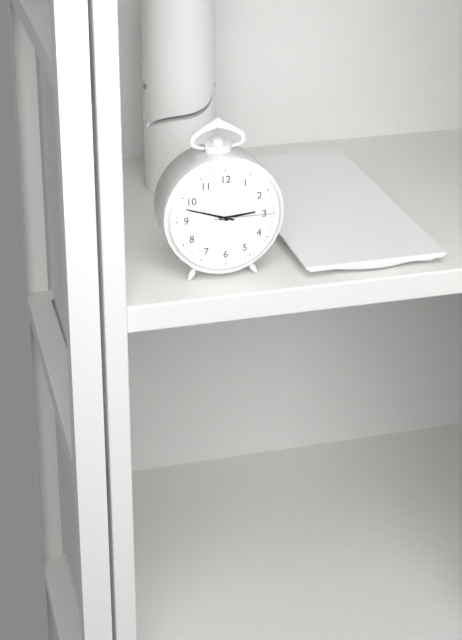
2.48.15
